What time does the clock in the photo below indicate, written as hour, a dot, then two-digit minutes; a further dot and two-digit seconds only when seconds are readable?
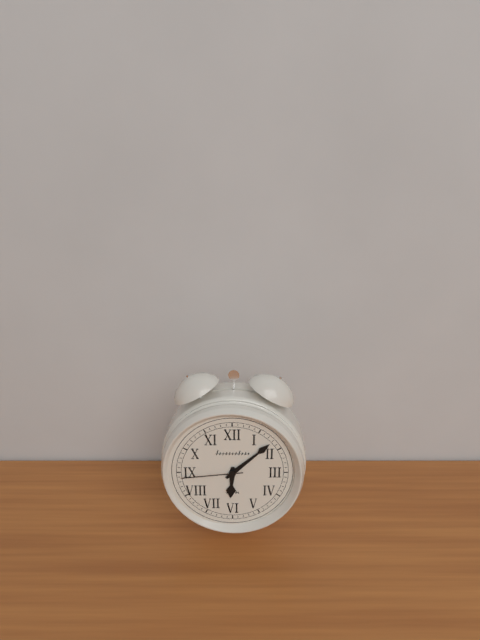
6.08.44
